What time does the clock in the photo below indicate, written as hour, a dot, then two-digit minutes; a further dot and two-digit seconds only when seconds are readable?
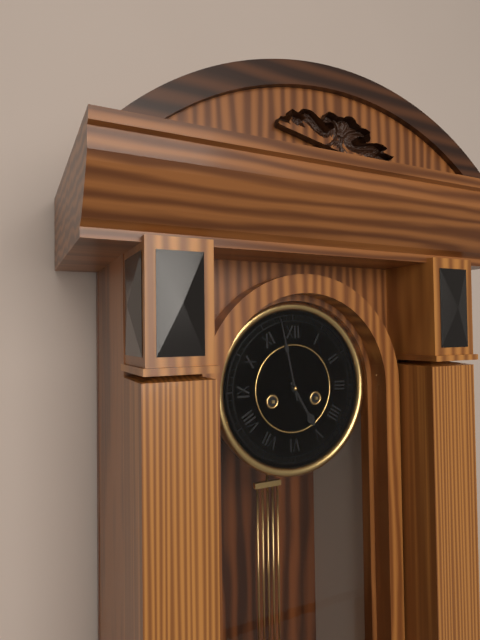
4.58
